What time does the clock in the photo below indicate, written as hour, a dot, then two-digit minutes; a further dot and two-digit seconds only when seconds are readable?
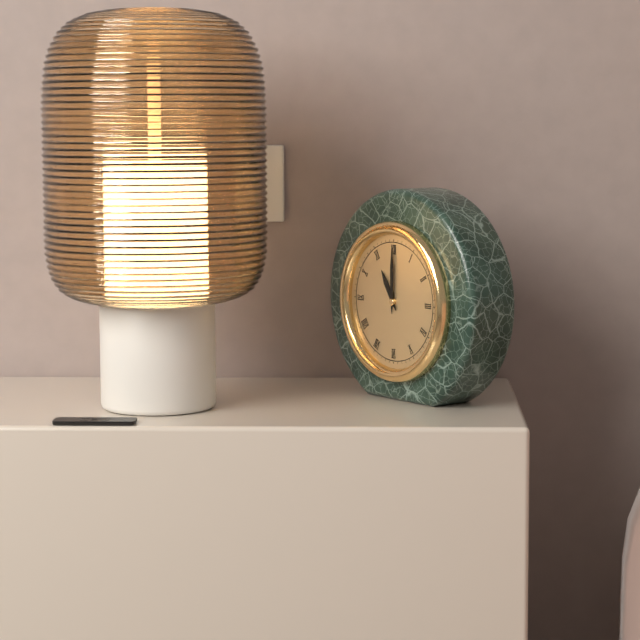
11.00
